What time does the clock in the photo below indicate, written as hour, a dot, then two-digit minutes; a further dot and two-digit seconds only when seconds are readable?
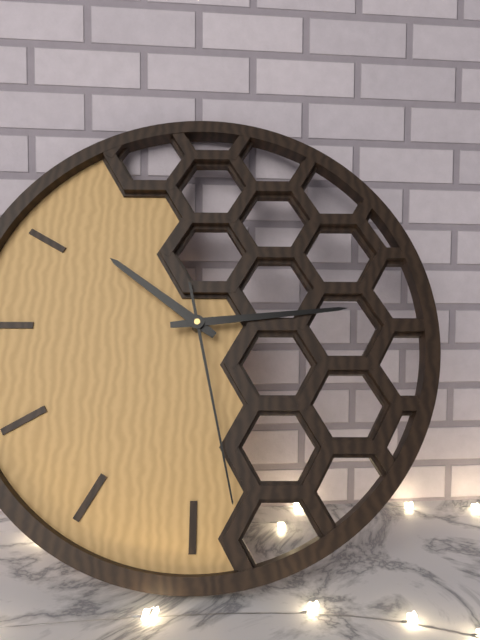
10.14.28
